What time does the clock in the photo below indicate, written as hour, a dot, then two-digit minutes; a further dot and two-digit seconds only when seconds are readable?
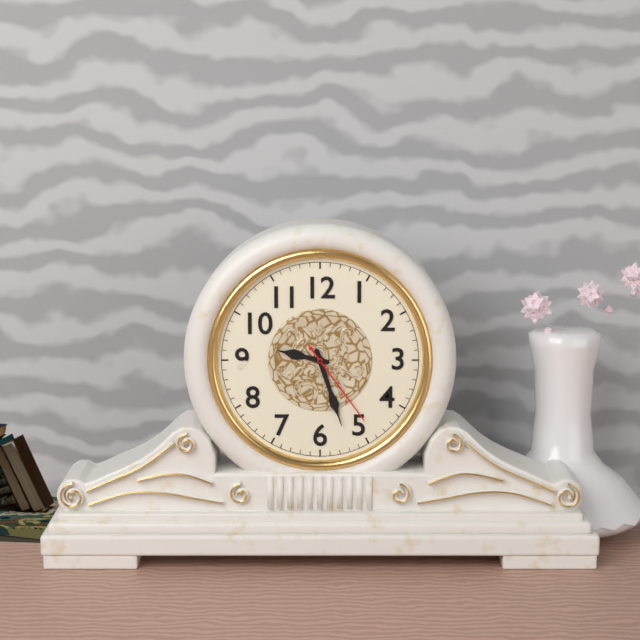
9.27.24
